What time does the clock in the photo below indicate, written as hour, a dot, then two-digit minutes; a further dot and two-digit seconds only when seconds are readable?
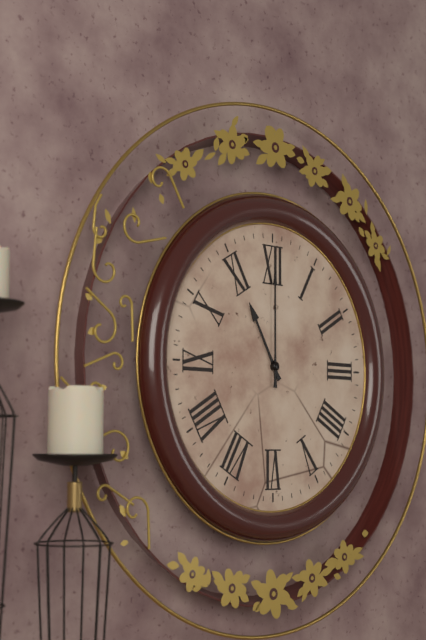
11.00
